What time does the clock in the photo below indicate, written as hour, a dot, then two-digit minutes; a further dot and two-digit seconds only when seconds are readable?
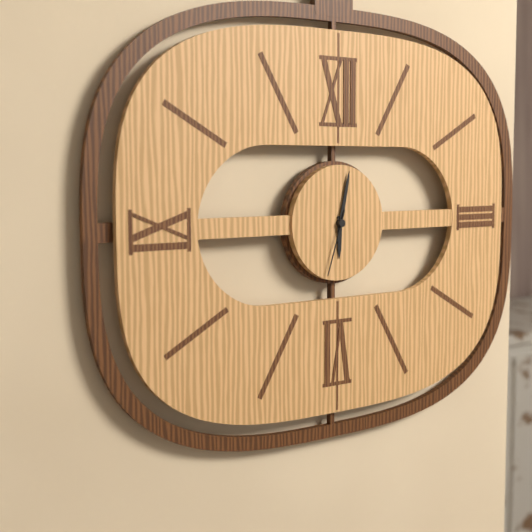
6.02.33
